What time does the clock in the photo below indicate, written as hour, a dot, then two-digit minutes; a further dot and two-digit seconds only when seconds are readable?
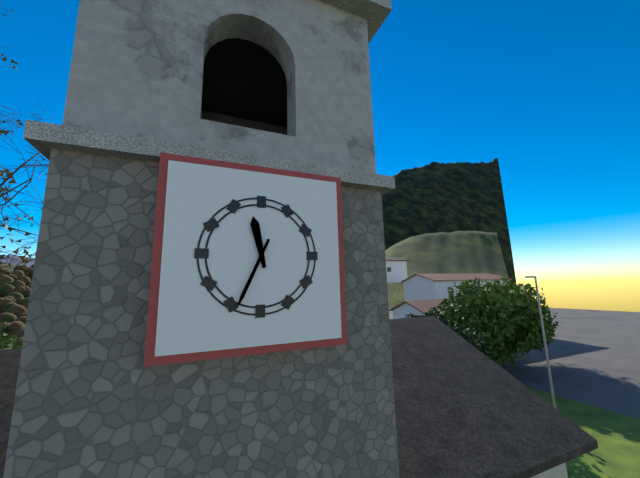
11.34
